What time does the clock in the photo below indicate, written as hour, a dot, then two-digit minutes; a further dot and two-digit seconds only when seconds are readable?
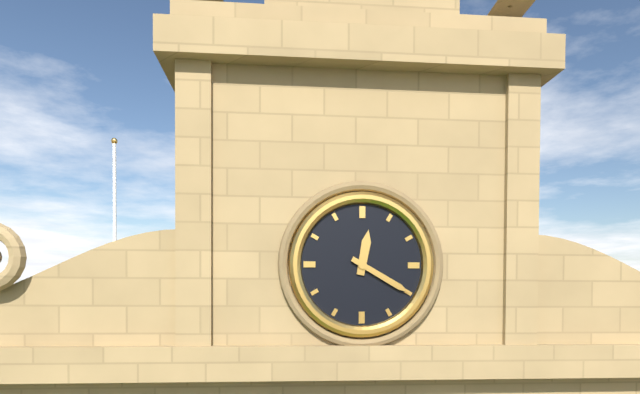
12.20
